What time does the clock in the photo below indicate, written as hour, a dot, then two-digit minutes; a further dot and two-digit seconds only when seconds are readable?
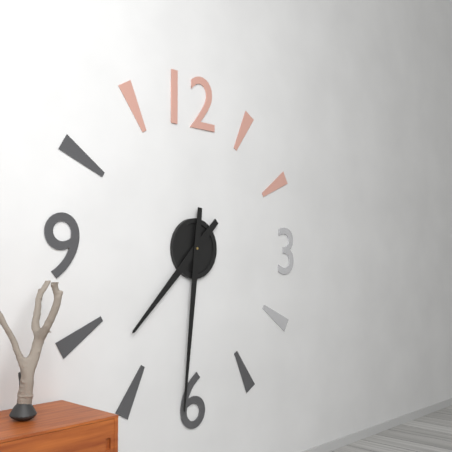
7.31
